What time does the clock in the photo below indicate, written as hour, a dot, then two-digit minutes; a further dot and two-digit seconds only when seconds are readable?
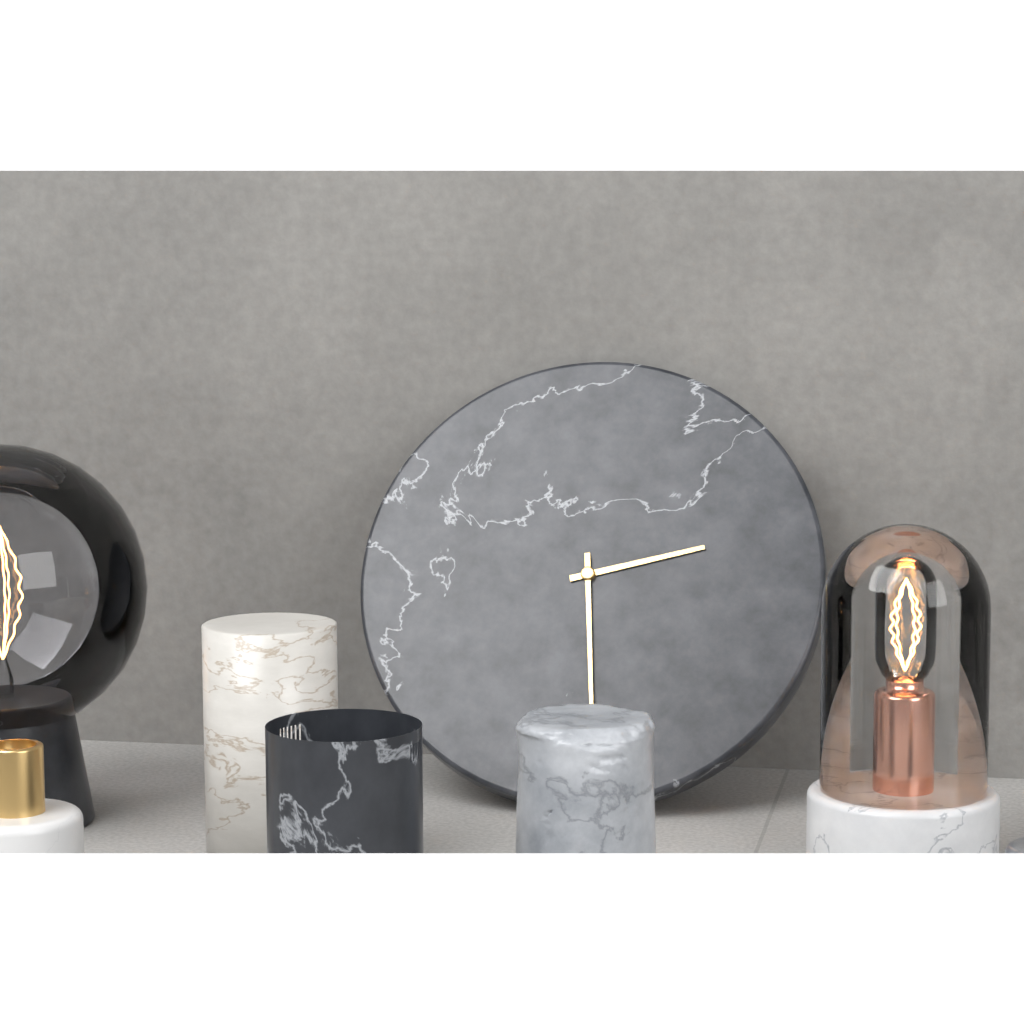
2.29
